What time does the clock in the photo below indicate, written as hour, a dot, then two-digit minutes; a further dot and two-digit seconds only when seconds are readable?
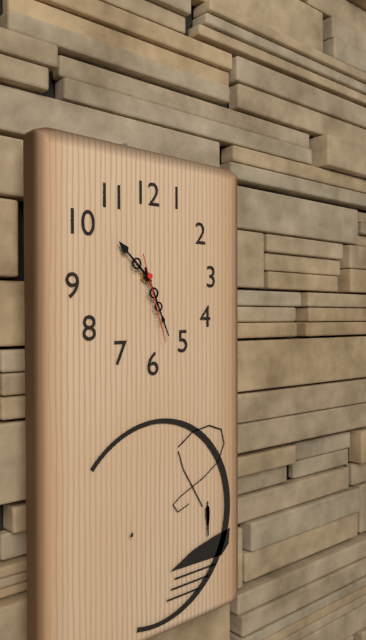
10.26.27
